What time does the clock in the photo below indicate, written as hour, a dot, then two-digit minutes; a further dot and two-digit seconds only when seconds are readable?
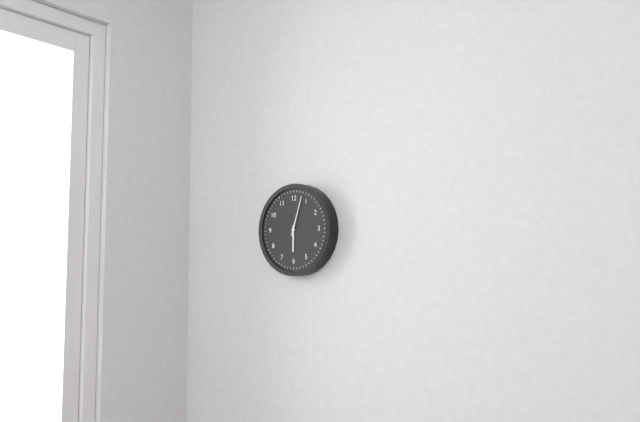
6.03
